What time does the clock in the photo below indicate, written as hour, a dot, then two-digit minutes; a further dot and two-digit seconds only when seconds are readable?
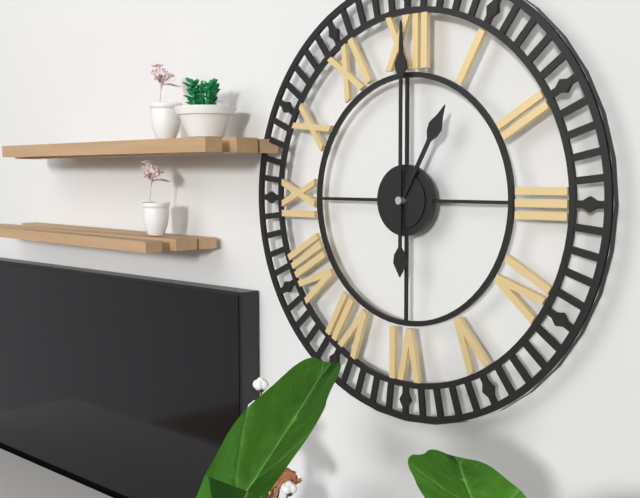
1.00
